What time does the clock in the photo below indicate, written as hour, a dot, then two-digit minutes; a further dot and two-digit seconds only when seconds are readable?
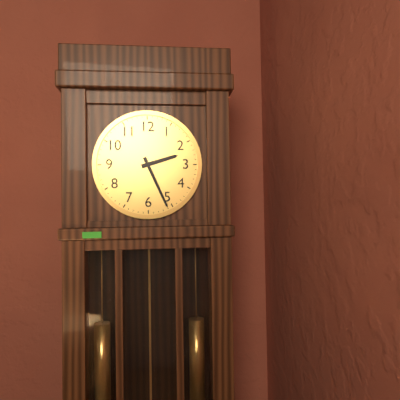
2.26
